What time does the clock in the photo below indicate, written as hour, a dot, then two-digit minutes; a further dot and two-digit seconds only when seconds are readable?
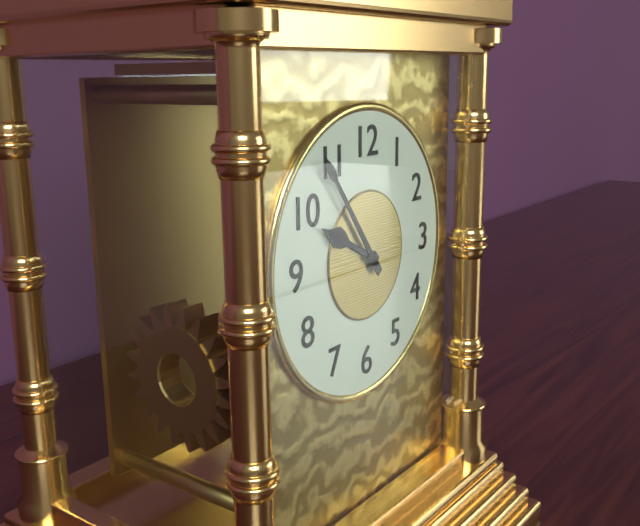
9.54
